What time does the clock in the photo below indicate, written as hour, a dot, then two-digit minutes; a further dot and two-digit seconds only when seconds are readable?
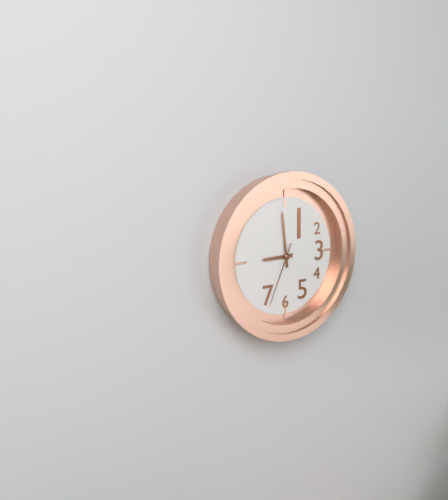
8.59.34
